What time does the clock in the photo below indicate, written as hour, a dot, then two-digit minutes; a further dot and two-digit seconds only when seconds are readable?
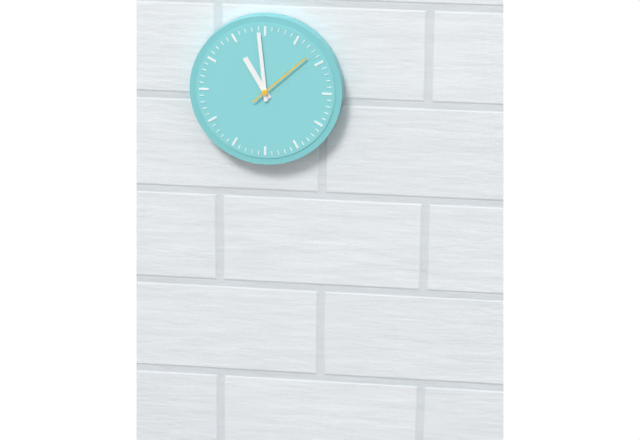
10.59.08
